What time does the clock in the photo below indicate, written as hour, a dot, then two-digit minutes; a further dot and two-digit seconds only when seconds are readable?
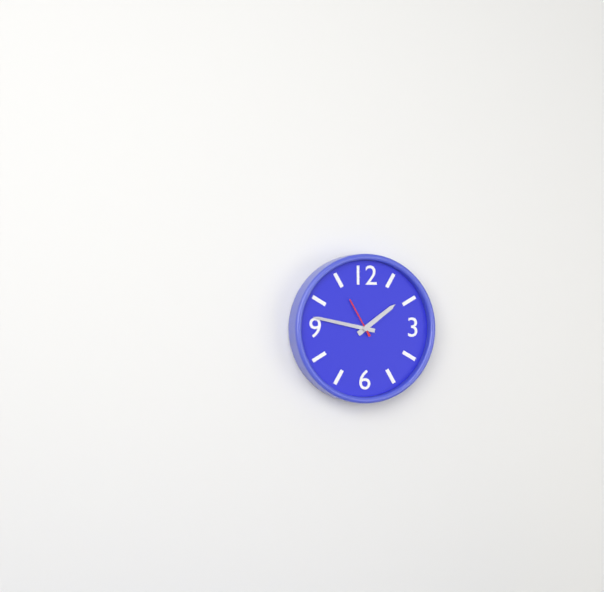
1.47
